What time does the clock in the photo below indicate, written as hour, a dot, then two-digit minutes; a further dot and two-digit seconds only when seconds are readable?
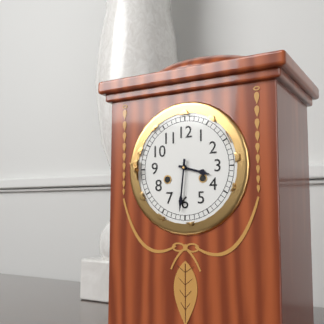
3.31
